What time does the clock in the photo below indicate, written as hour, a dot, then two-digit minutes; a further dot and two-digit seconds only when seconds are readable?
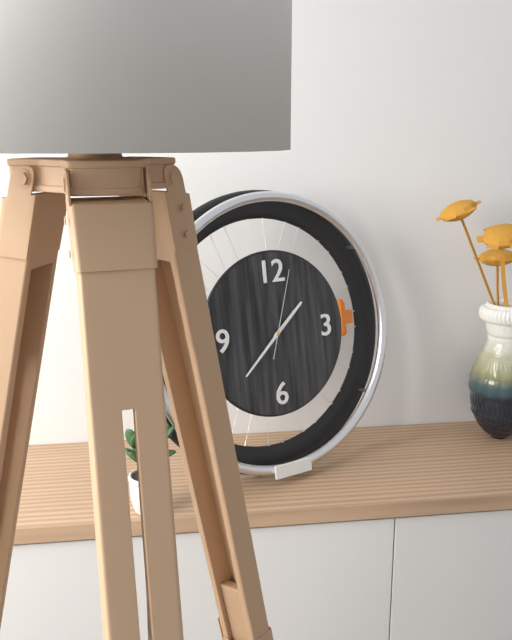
1.38.03
